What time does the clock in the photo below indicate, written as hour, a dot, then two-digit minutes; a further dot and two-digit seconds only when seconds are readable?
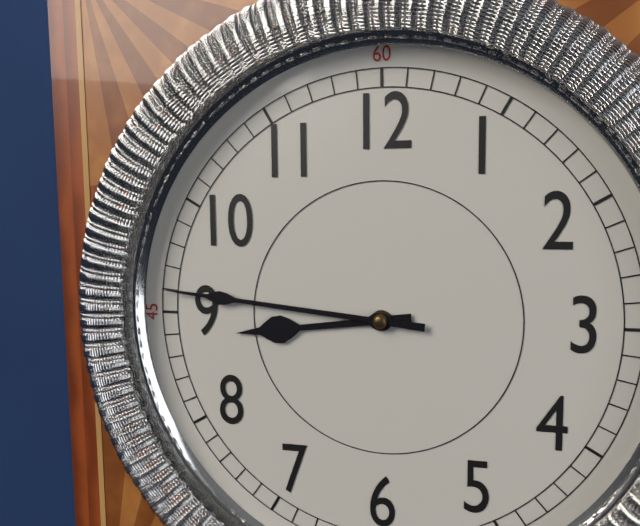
8.46
